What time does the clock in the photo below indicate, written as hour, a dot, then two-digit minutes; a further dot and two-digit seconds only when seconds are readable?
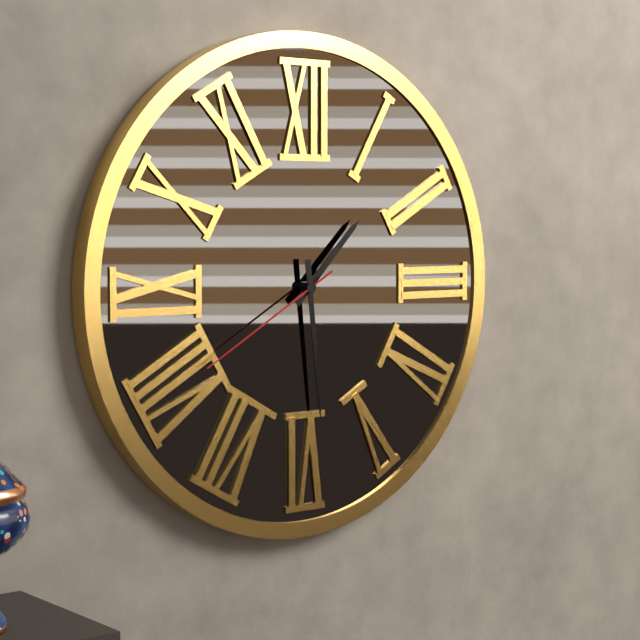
1.29.40
